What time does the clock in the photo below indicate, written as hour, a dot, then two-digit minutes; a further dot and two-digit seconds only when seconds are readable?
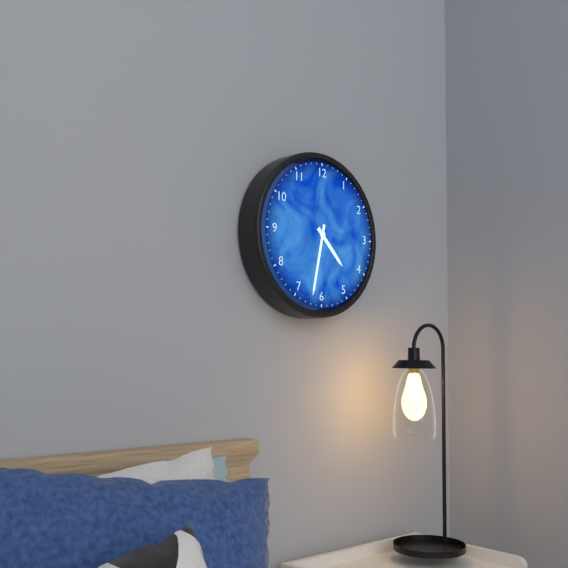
4.32
